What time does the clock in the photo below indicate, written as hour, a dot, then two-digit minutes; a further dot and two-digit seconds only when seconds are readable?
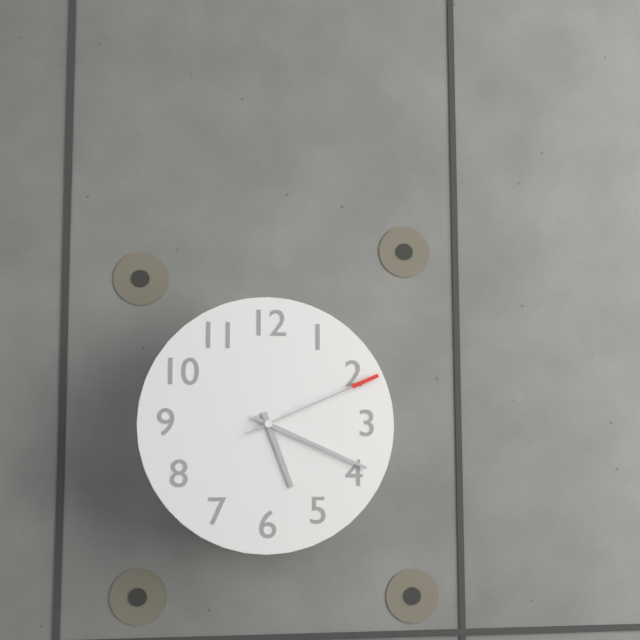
5.19.11
